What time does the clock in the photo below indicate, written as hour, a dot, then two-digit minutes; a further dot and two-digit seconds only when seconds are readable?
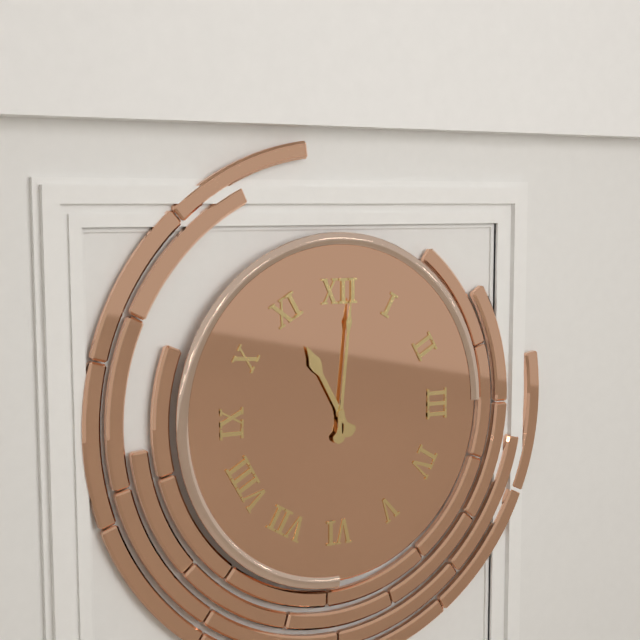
11.01
